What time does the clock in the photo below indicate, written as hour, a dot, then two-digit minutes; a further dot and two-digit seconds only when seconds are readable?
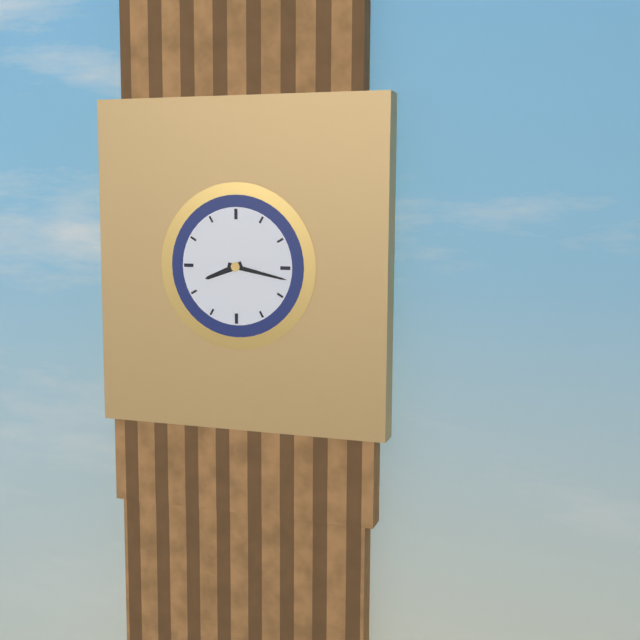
8.17
